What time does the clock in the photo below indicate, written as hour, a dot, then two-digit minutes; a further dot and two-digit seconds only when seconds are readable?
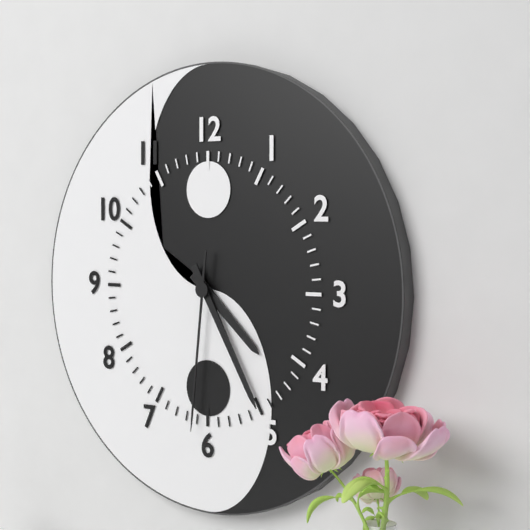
4.25.31
